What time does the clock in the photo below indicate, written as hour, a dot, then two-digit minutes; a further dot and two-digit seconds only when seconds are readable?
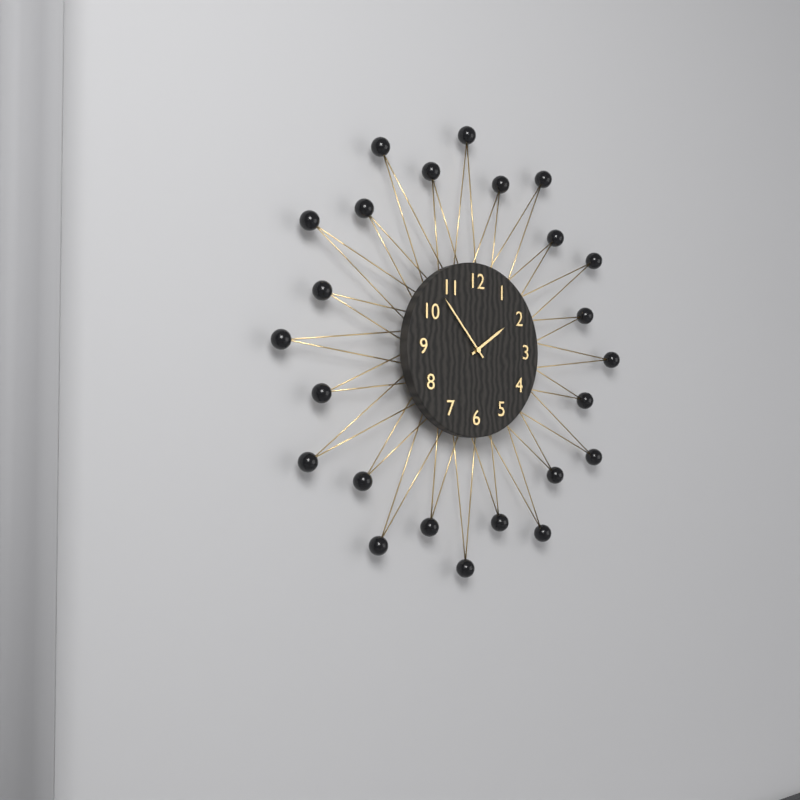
1.53
